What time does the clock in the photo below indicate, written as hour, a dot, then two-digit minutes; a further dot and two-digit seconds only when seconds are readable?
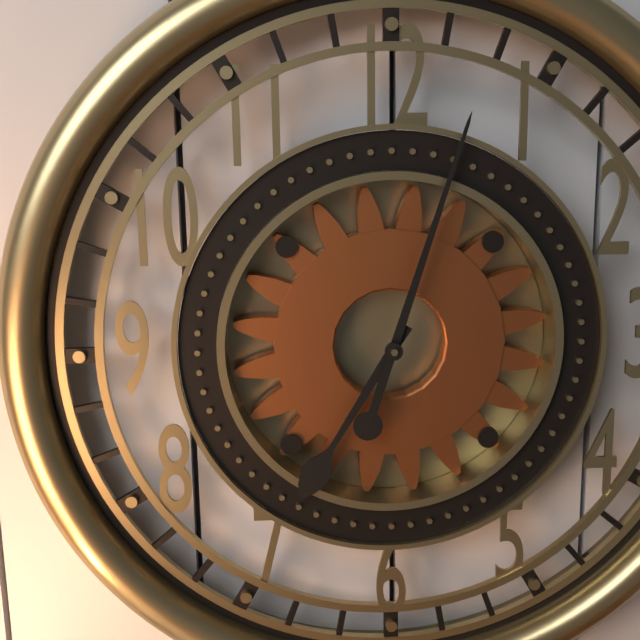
7.03
